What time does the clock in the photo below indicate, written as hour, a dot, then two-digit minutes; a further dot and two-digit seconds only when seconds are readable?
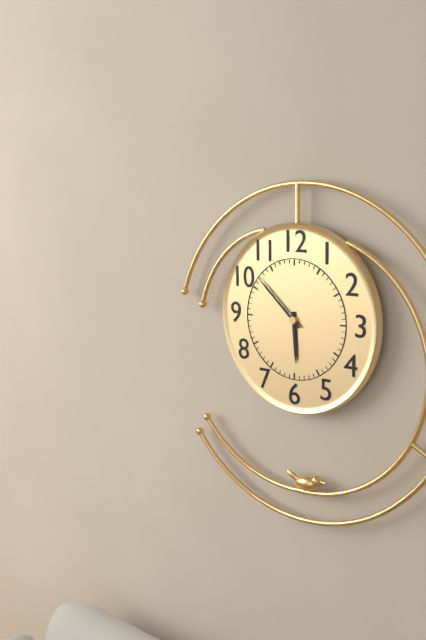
5.52
